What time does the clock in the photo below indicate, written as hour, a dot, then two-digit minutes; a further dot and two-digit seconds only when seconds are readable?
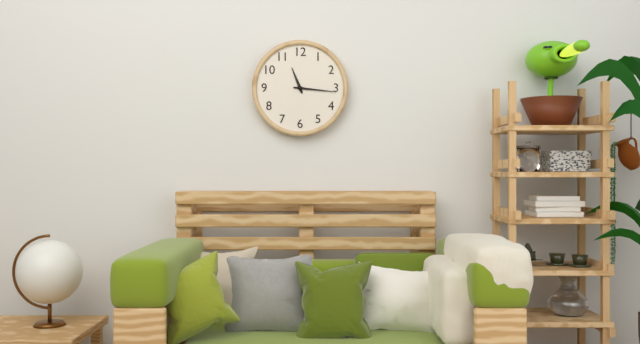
11.16
